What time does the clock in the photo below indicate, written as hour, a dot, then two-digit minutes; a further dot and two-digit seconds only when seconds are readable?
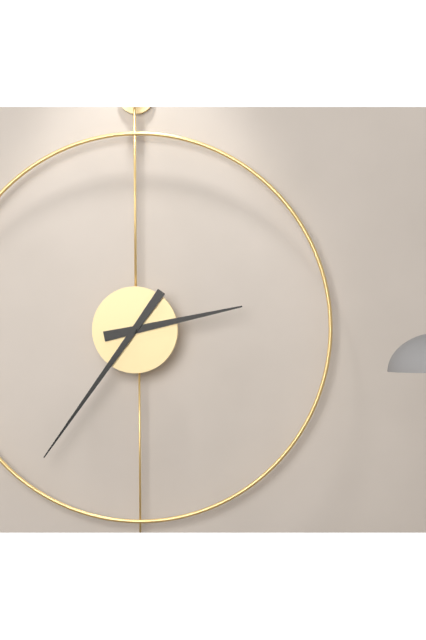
2.36
